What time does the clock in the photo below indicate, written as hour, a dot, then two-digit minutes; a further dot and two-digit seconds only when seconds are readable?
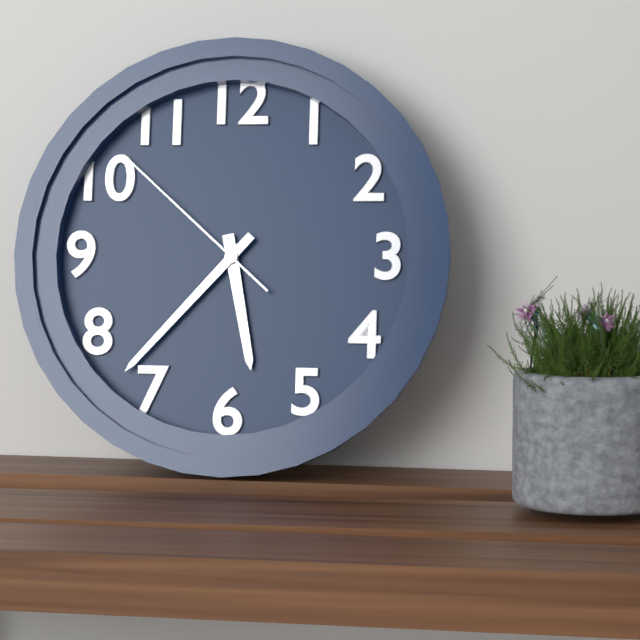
5.37.52
